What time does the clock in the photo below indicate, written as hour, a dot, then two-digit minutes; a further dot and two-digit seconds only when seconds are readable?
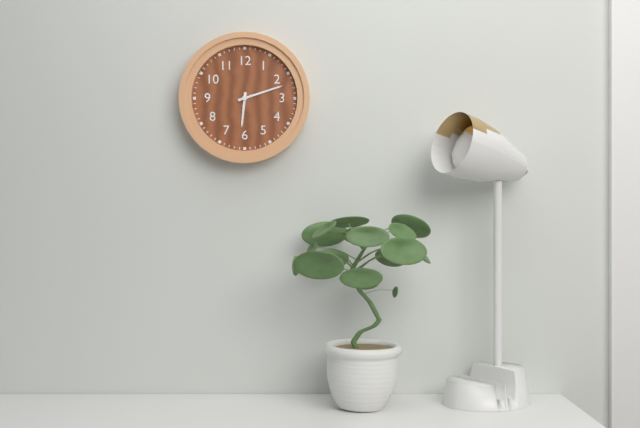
6.12
